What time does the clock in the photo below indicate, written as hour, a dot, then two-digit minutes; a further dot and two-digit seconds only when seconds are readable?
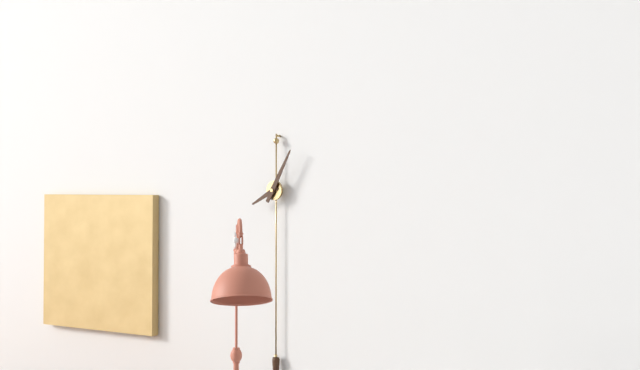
8.05
